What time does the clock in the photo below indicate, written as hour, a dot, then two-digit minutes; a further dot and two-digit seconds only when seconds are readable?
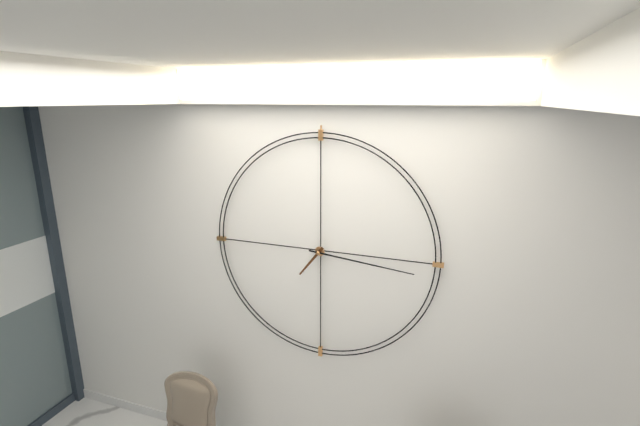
7.16
